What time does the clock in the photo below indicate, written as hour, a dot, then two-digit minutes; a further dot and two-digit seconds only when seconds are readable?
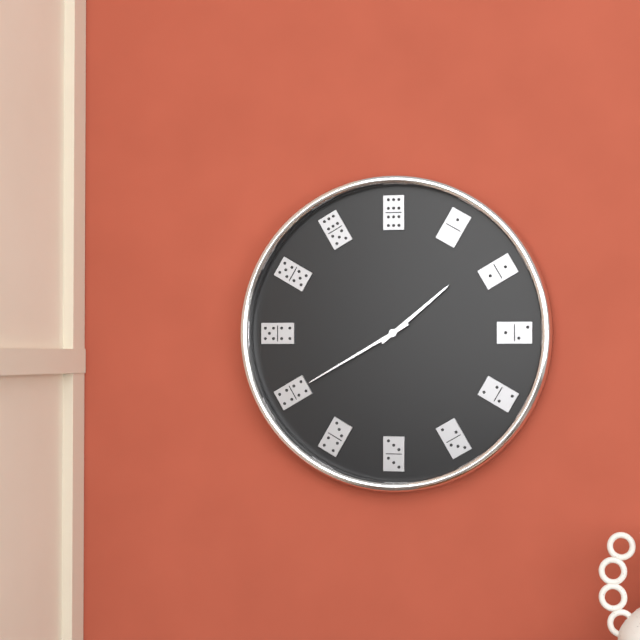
1.40
